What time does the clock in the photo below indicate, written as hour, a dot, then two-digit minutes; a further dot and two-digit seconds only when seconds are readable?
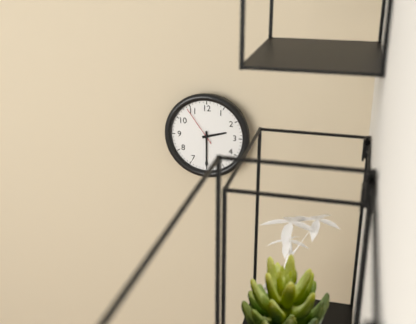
2.30
